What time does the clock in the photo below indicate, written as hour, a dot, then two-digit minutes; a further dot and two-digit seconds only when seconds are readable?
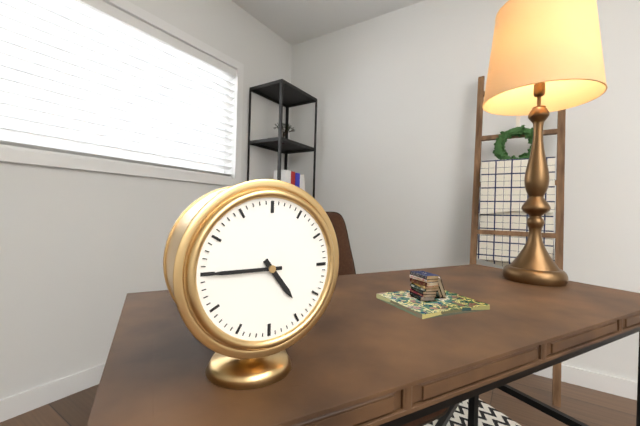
4.45
